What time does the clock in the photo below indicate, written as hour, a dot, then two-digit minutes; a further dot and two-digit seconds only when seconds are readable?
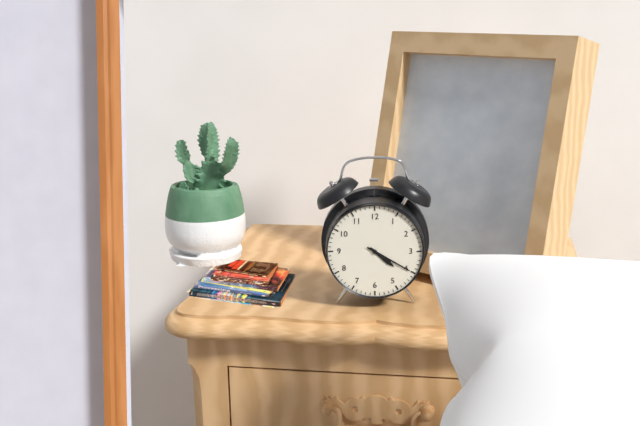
4.20
